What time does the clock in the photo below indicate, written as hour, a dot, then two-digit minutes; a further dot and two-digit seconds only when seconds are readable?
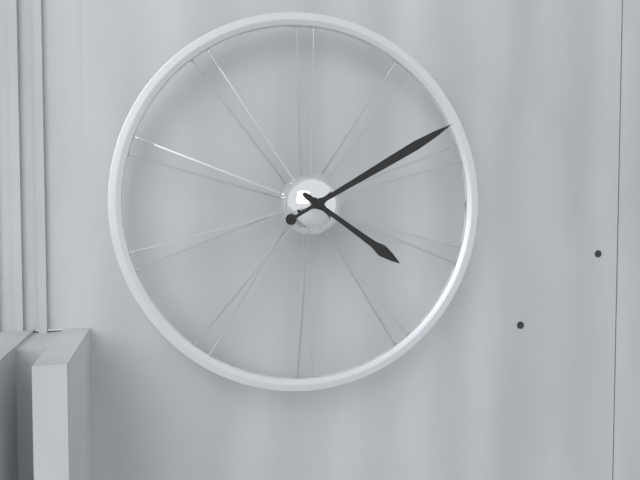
4.10
